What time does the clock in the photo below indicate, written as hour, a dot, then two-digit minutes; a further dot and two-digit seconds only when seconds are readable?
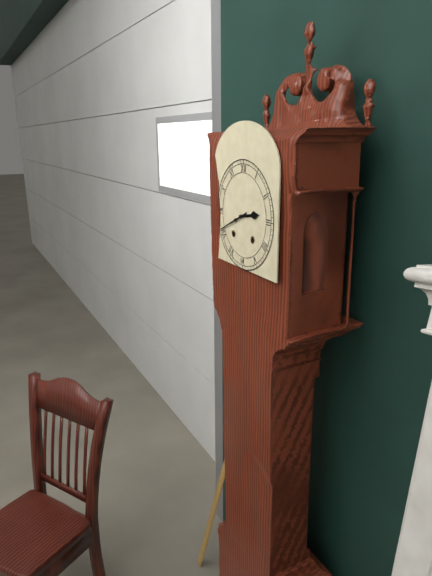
2.41
